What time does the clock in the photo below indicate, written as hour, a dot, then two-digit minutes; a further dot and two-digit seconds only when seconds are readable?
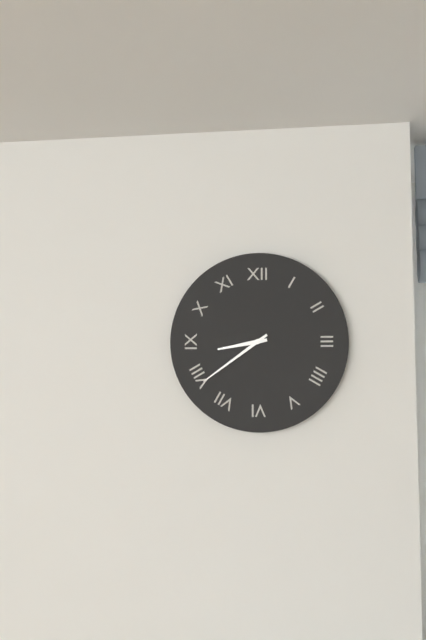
8.39
